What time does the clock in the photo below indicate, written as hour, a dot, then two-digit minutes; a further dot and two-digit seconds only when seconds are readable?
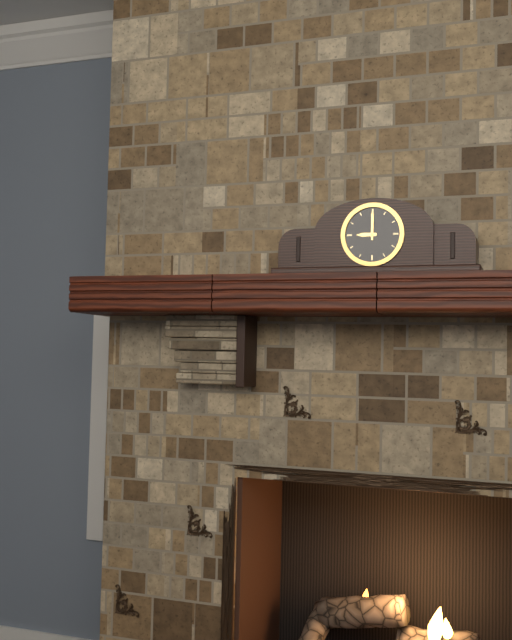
9.00
